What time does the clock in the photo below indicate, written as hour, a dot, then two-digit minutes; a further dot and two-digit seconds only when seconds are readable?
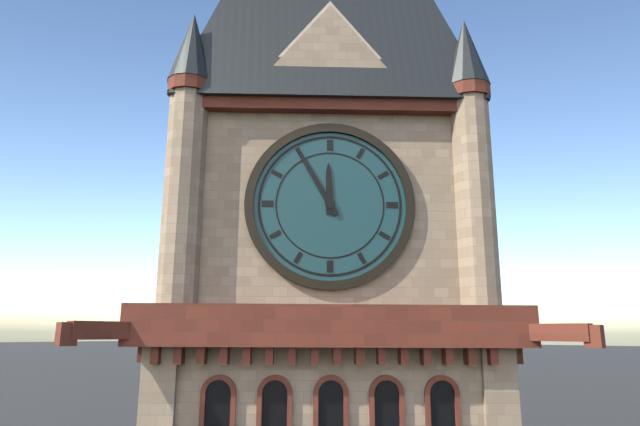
11.55
